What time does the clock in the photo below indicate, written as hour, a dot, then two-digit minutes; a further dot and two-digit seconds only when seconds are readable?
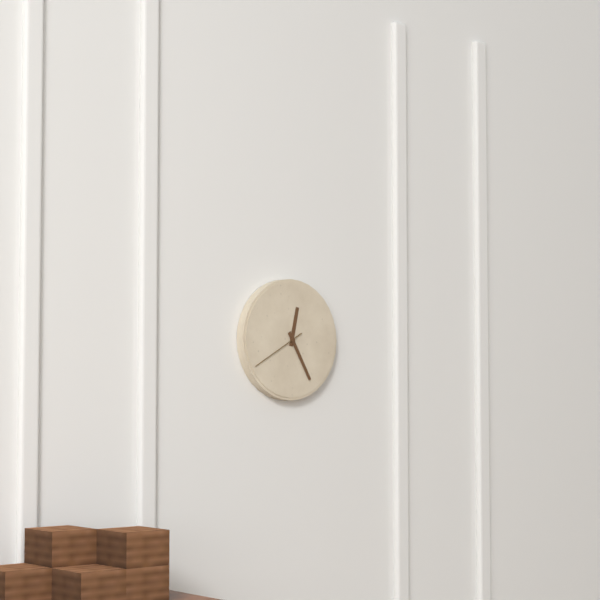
12.25.40
